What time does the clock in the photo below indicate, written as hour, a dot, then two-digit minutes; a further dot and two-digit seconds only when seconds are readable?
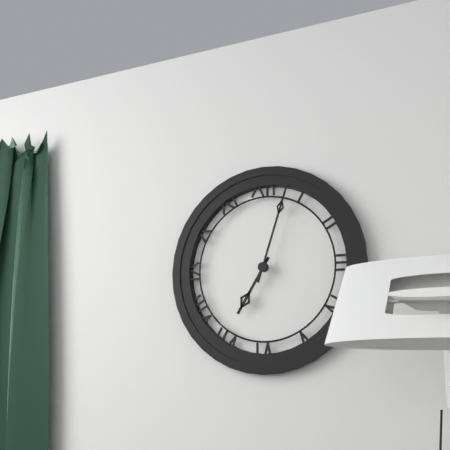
7.03
